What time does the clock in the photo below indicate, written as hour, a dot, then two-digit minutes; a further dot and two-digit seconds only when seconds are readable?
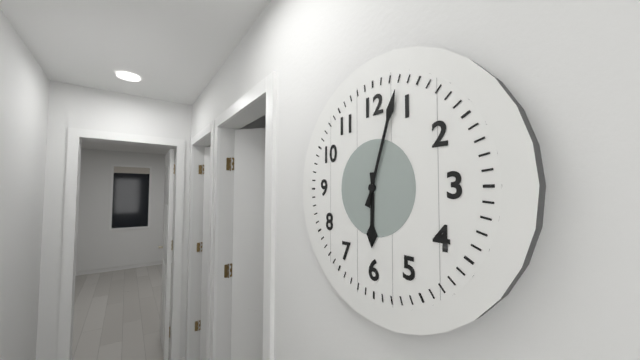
6.03
